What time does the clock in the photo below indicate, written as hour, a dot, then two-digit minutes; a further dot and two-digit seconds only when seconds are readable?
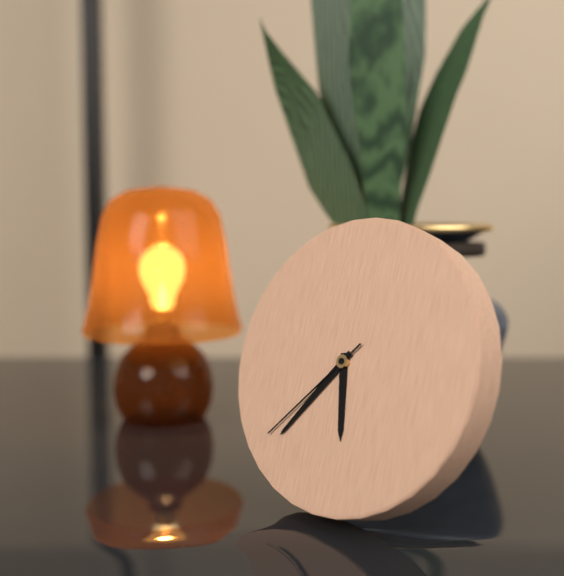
5.36.37
